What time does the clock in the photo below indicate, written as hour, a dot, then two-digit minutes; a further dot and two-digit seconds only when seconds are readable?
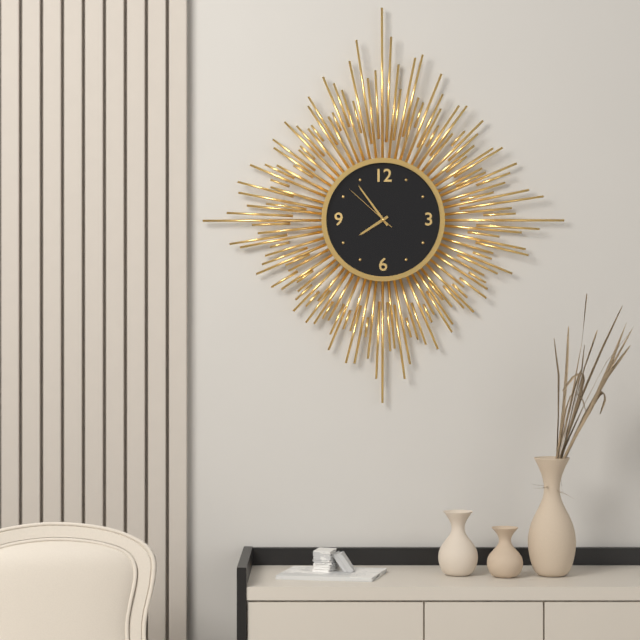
7.54.52
